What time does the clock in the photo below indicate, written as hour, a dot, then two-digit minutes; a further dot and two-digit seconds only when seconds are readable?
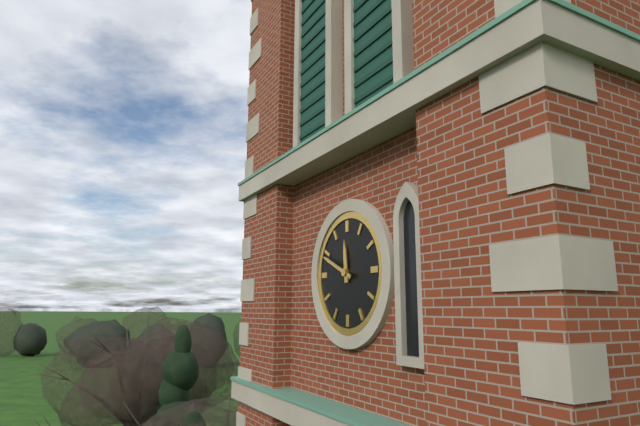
11.49
